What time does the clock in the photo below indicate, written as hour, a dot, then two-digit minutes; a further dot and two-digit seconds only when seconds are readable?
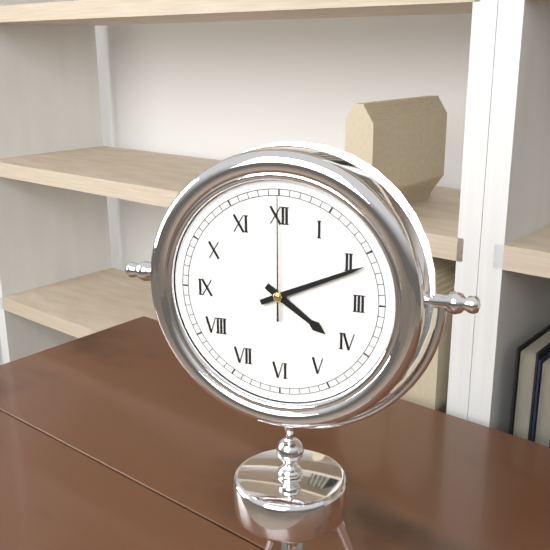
4.11.00
